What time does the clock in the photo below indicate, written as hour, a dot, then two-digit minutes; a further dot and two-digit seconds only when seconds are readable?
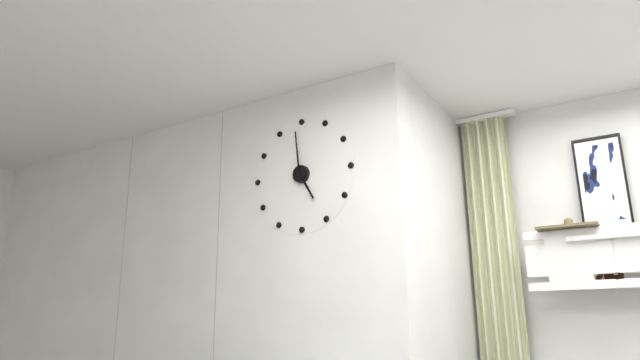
4.59
